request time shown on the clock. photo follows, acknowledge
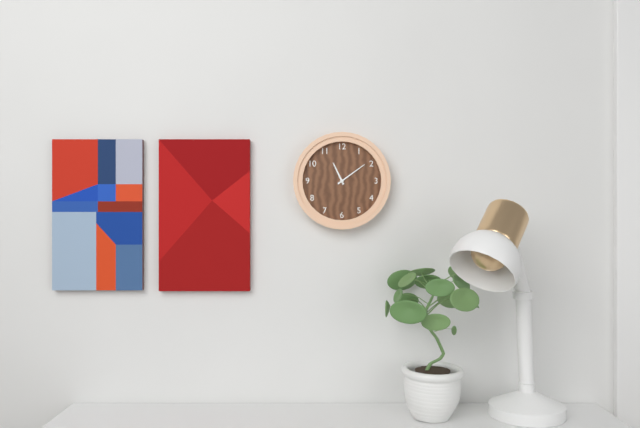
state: 11:09
